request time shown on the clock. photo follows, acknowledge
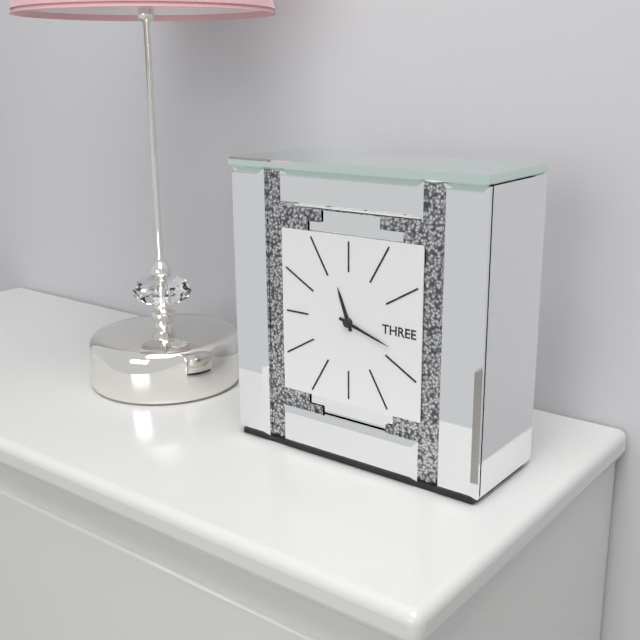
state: 11:18
